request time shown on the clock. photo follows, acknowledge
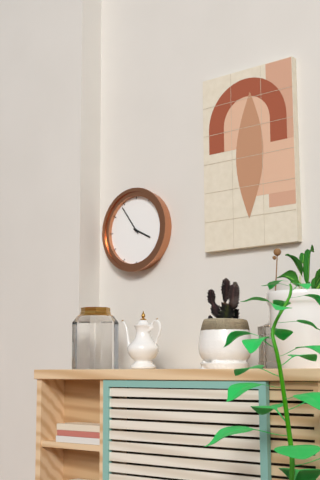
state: 3:54
